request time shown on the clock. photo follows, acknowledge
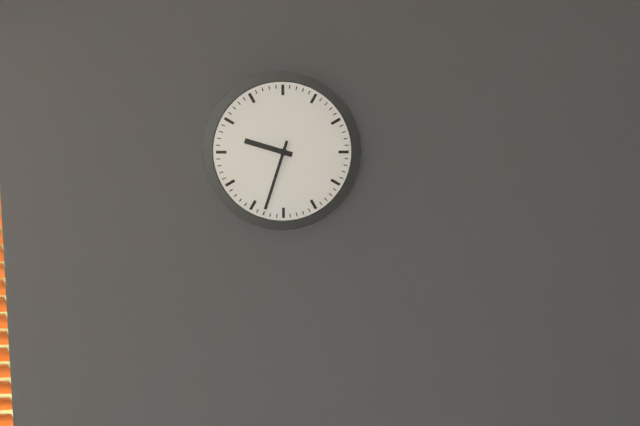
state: 9:33
